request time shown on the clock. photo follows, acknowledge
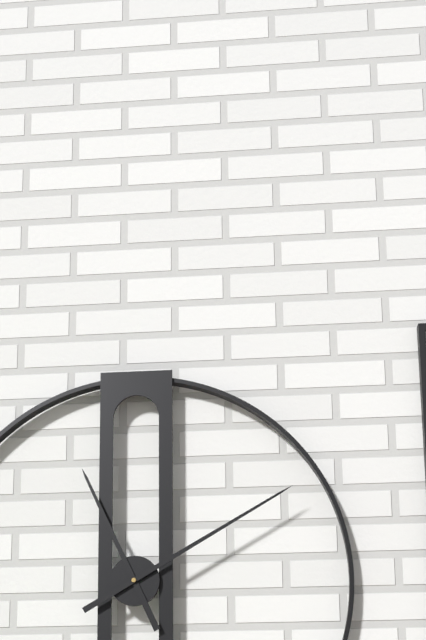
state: 11:10
